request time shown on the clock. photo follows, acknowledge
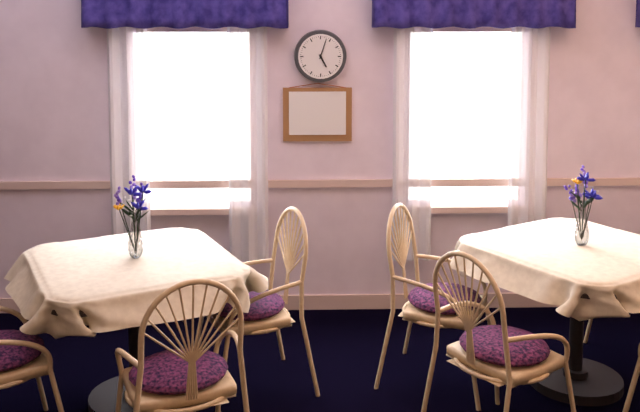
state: 5:03
